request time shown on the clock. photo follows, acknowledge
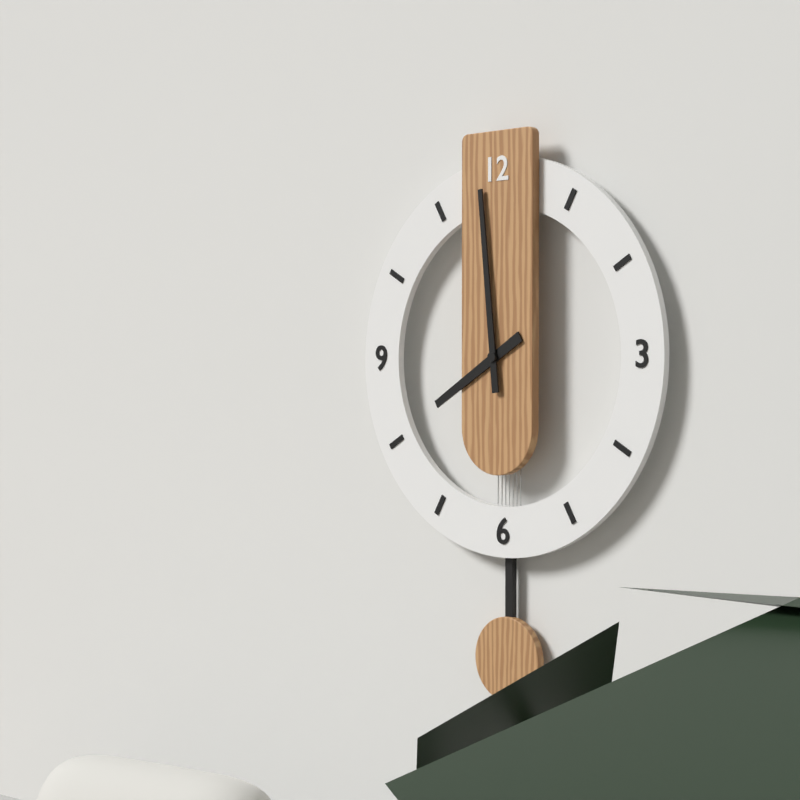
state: 7:59
